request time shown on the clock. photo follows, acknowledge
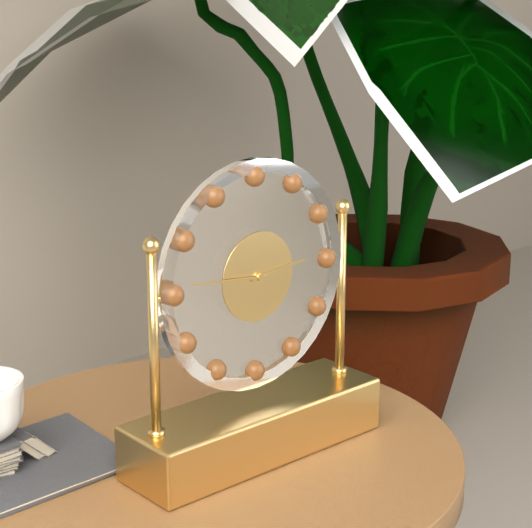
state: 2:46
